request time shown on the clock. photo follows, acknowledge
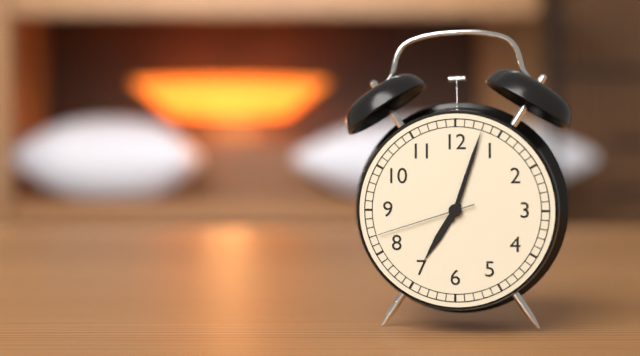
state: 7:03:42
